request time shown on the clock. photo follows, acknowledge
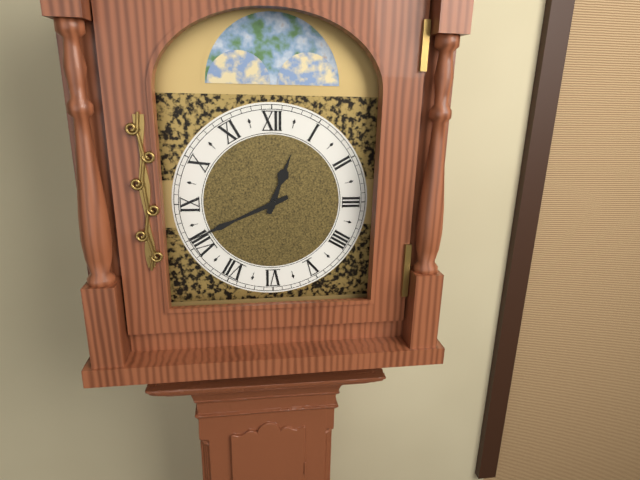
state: 12:41
